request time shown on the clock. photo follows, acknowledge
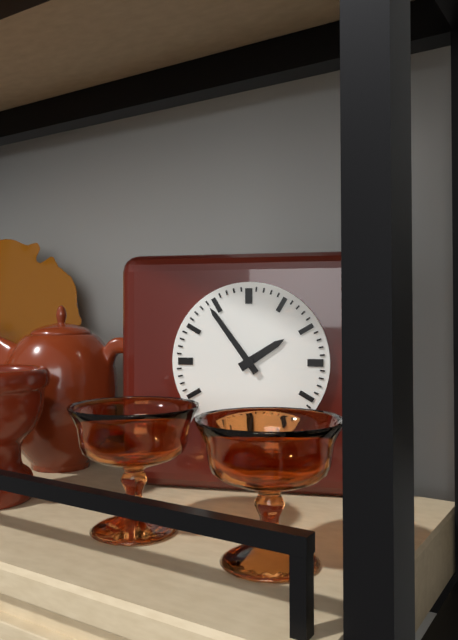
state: 1:54
